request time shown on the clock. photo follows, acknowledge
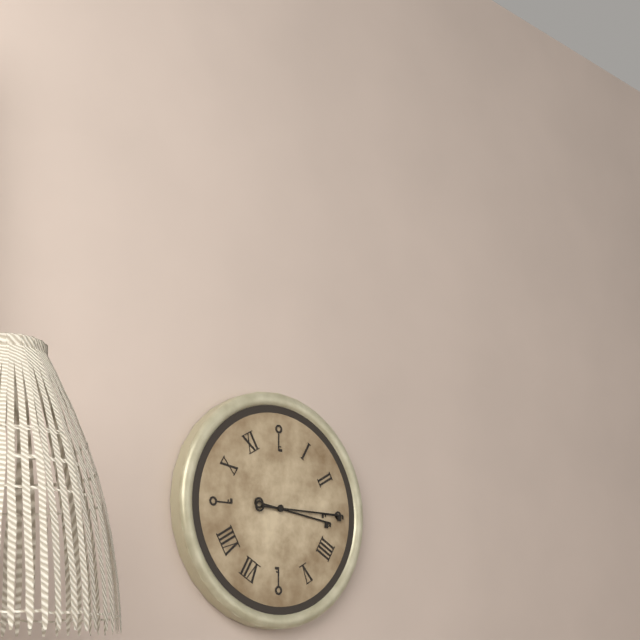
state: 3:15
